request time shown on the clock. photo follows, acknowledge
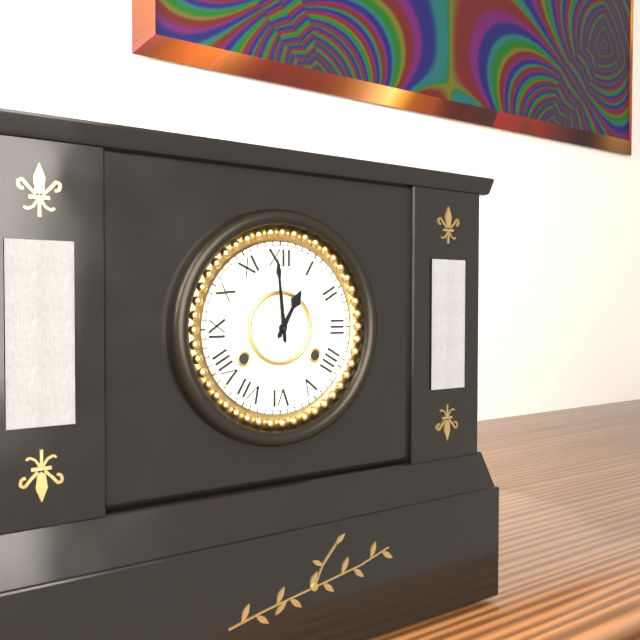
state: 12:59
